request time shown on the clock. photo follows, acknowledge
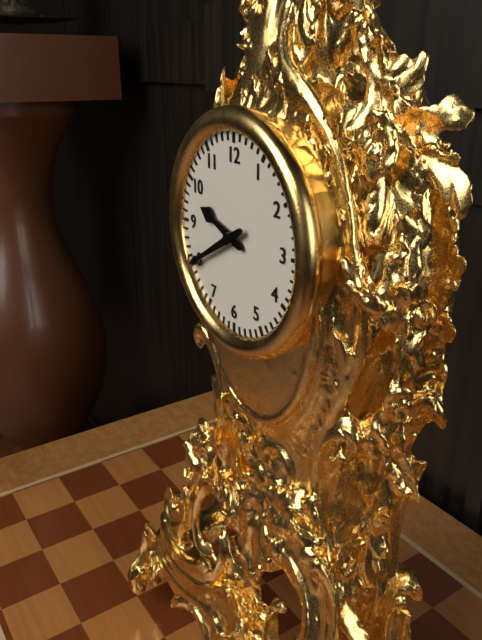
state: 9:40
